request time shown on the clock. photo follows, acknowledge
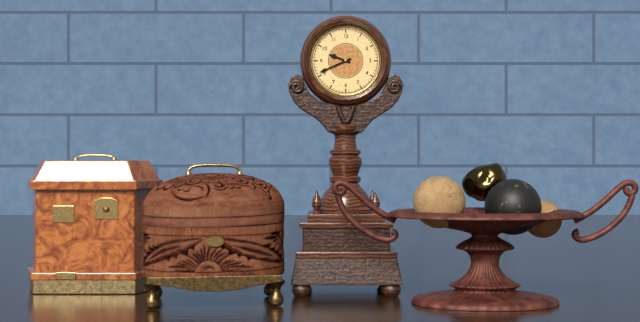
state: 9:41
